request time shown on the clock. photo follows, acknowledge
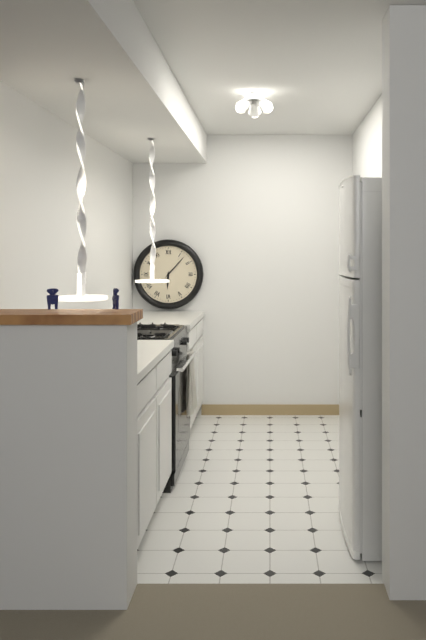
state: 6:07
